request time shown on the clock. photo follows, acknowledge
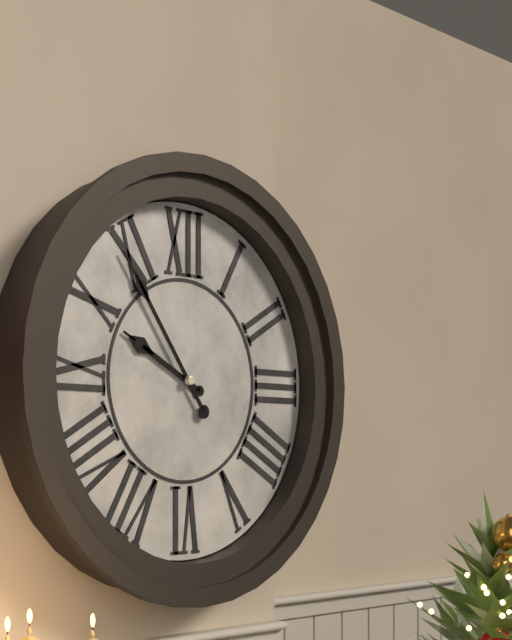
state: 9:54
